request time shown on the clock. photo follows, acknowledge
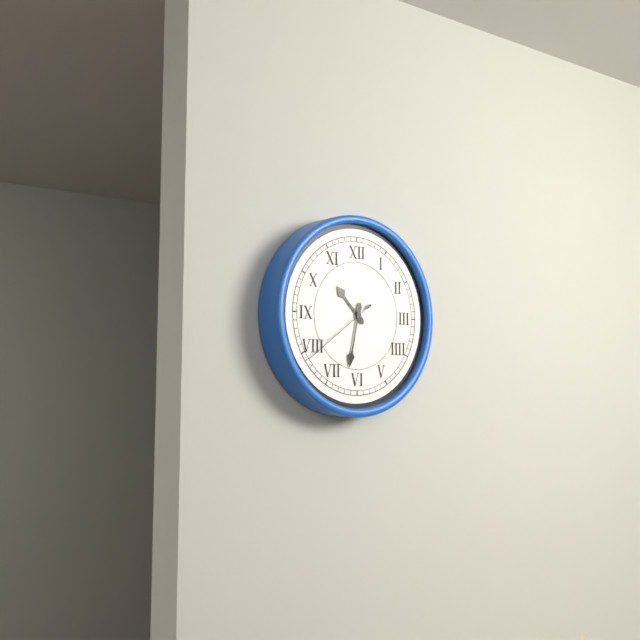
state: 10:32:39
